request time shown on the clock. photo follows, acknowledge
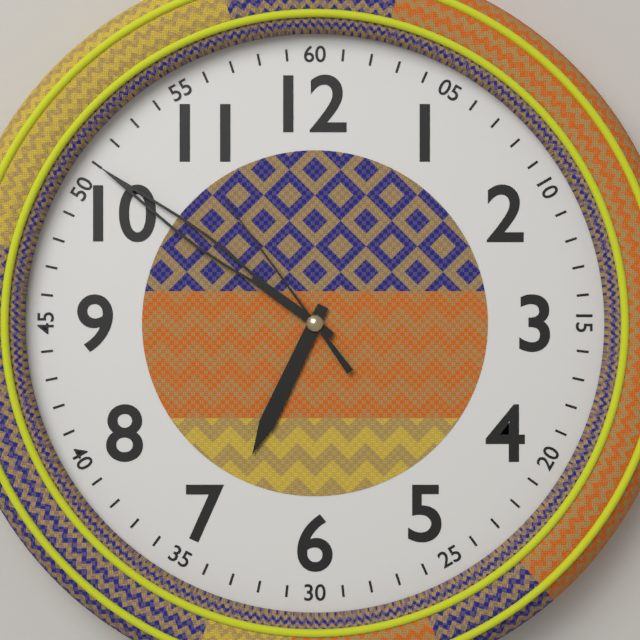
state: 6:51:54
